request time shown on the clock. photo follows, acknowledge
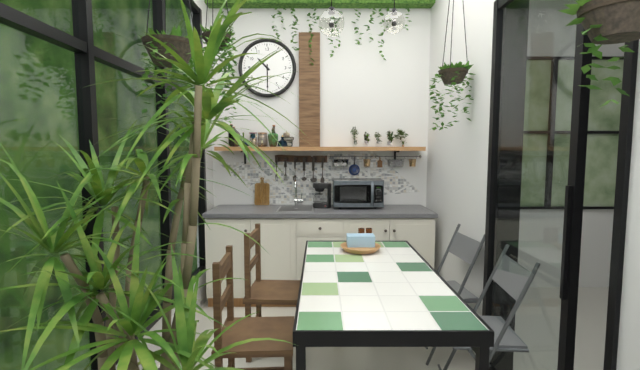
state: 10:30
